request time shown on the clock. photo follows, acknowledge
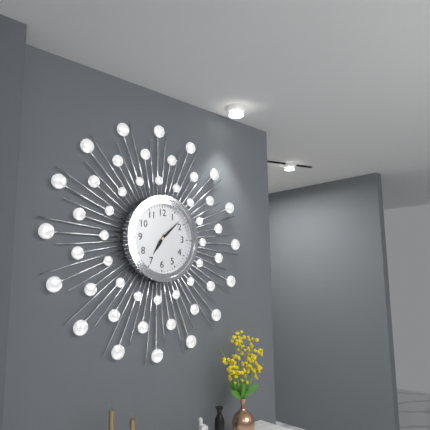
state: 7:08
